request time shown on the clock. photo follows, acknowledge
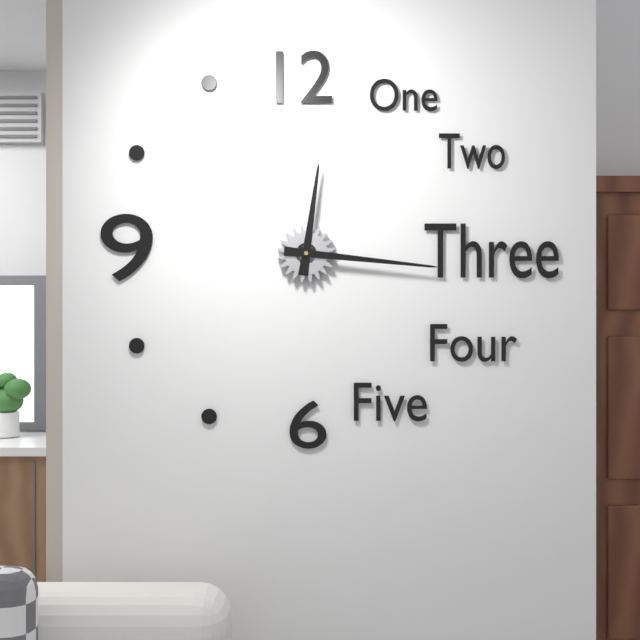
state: 12:16
